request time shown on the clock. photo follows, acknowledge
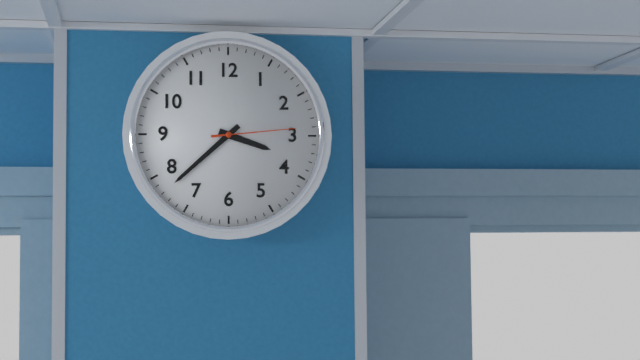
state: 3:38:14
